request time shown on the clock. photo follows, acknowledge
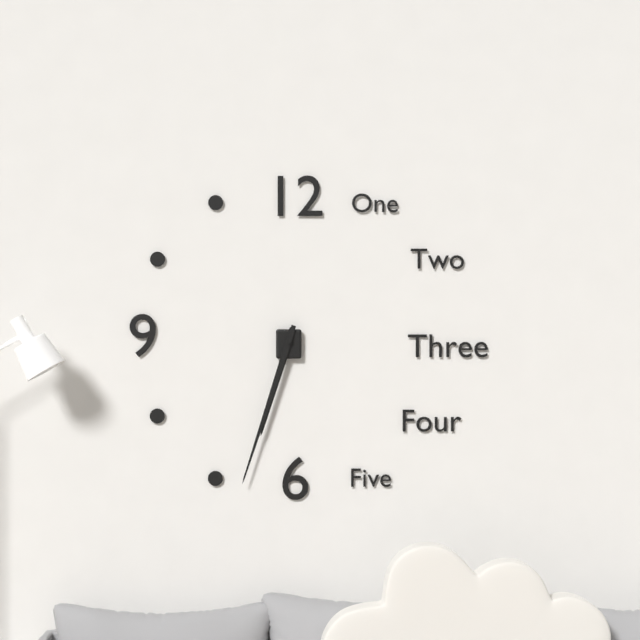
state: 6:33
